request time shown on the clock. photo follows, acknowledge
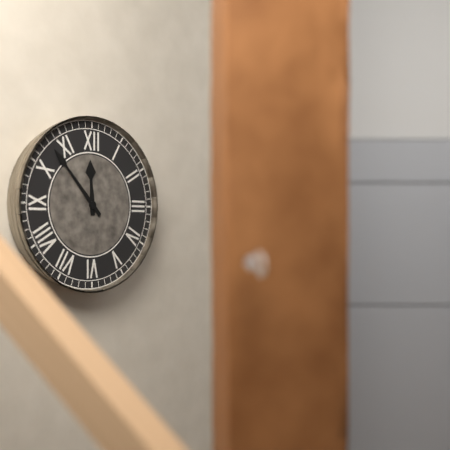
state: 11:53
